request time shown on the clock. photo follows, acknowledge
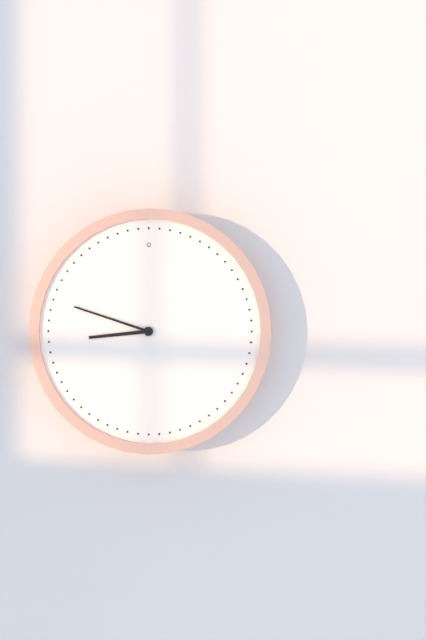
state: 8:48
